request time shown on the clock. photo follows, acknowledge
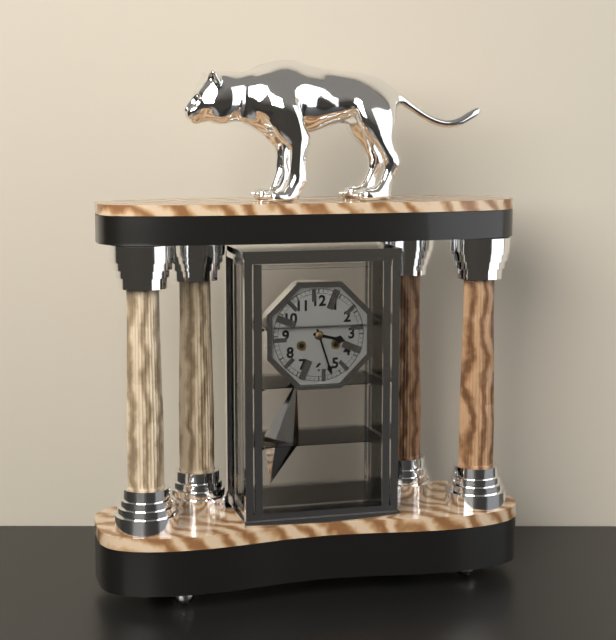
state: 3:27
